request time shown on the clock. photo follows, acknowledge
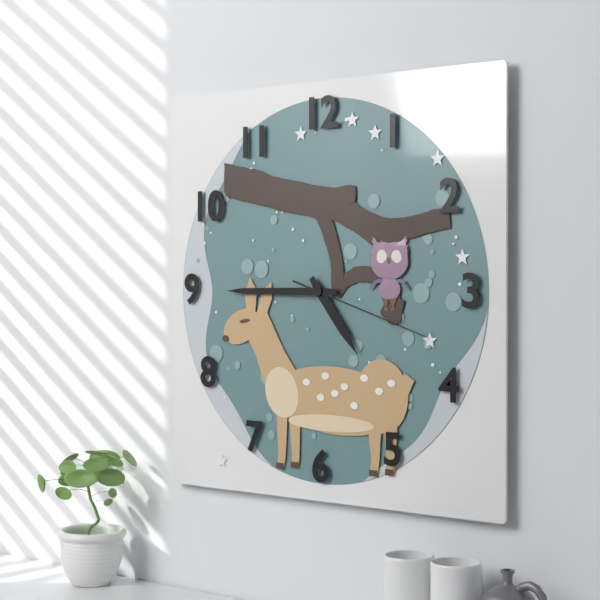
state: 4:45:18
